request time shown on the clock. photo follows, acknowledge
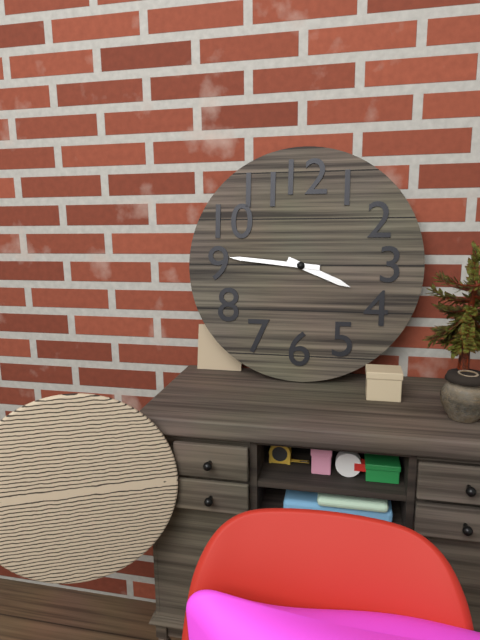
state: 3:46
